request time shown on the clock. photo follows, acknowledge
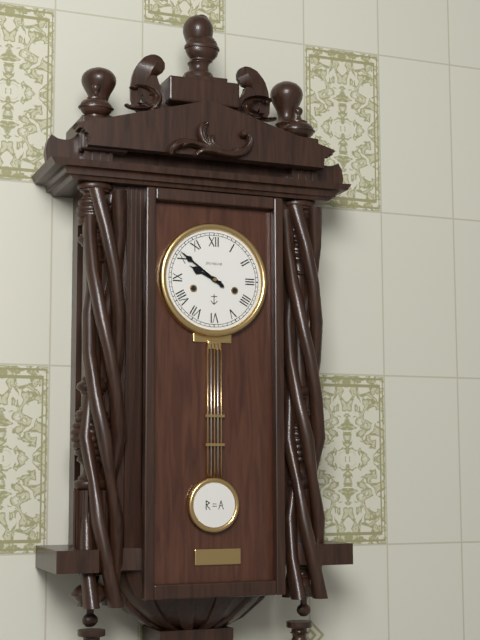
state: 9:51
